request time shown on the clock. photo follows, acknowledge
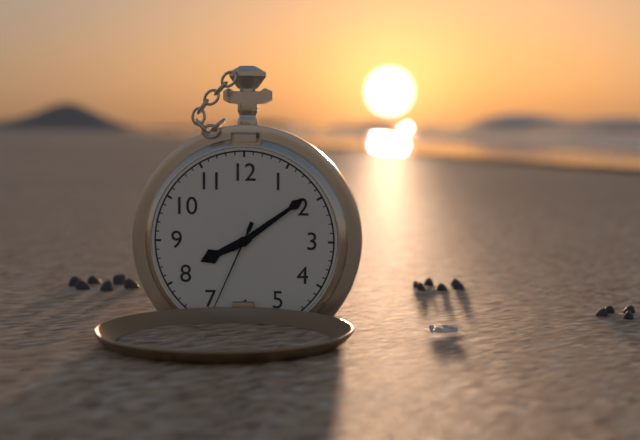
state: 8:09:34
